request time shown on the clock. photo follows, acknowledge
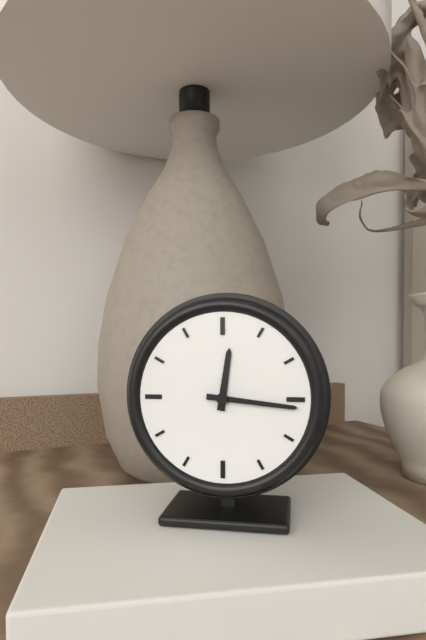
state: 12:16
